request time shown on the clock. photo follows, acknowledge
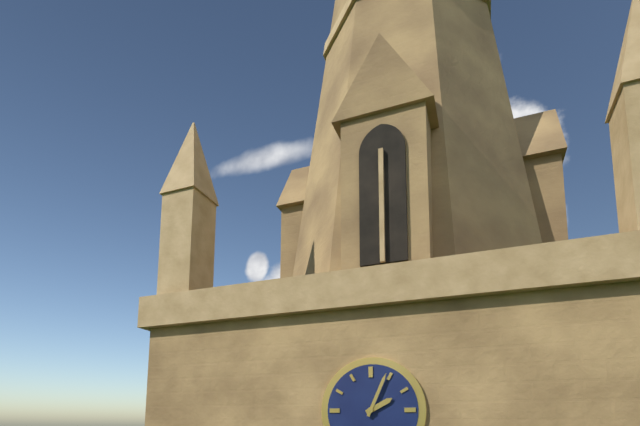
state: 2:04
